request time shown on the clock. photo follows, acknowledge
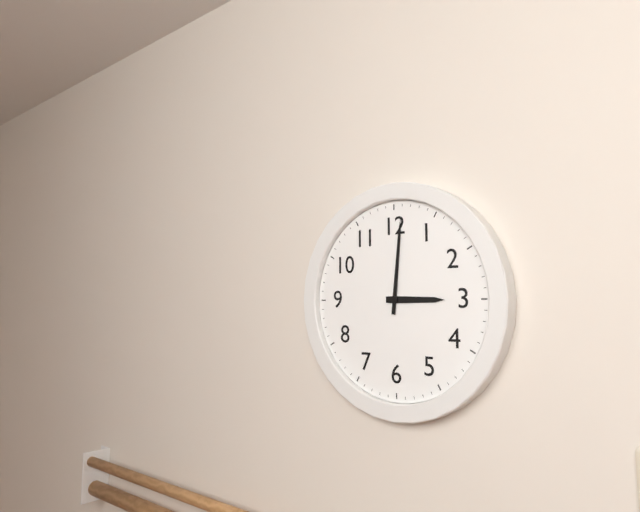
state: 3:01
